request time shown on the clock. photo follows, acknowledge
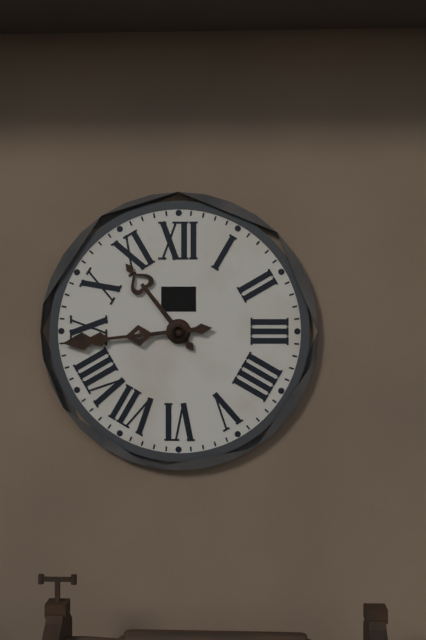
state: 10:44
